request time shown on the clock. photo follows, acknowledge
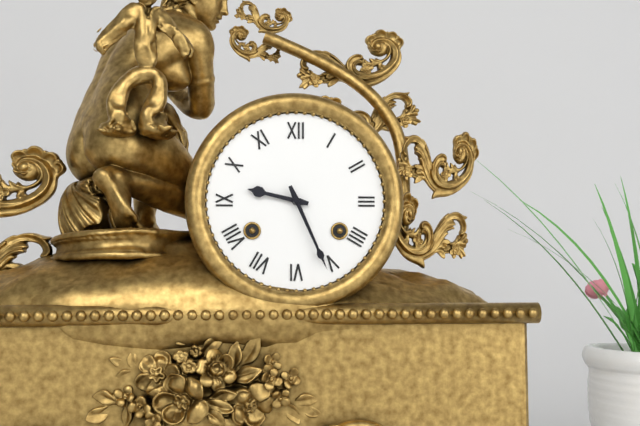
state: 9:26
